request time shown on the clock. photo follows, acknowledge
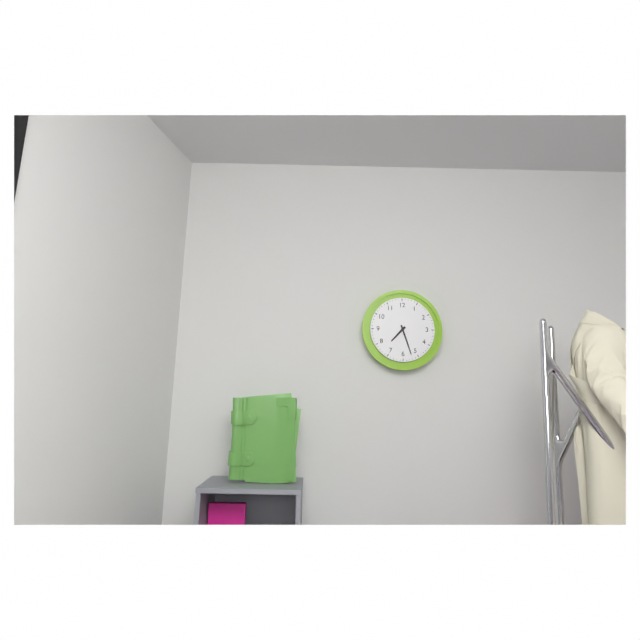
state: 7:27
